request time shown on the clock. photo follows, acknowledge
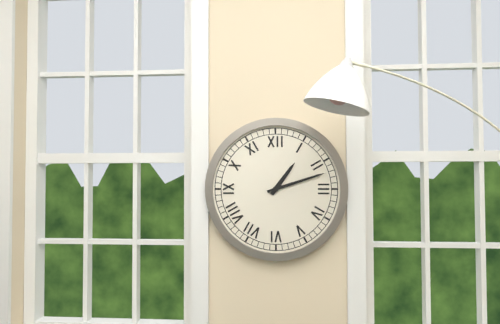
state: 1:12
